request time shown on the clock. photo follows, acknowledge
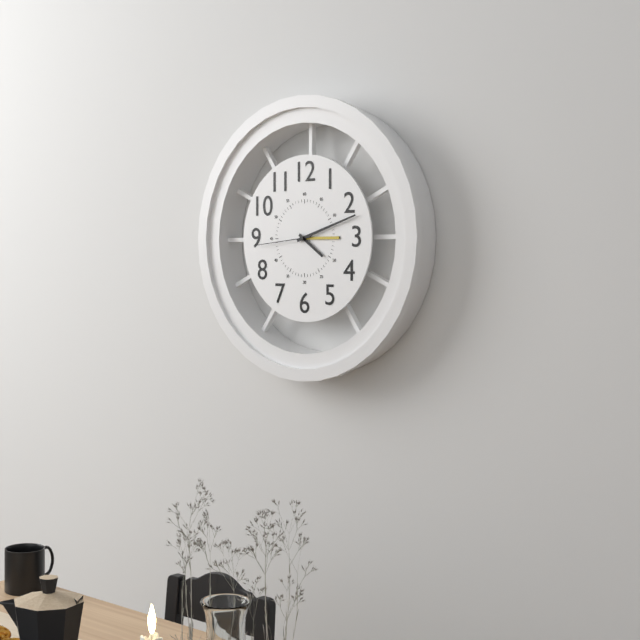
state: 4:12:44
